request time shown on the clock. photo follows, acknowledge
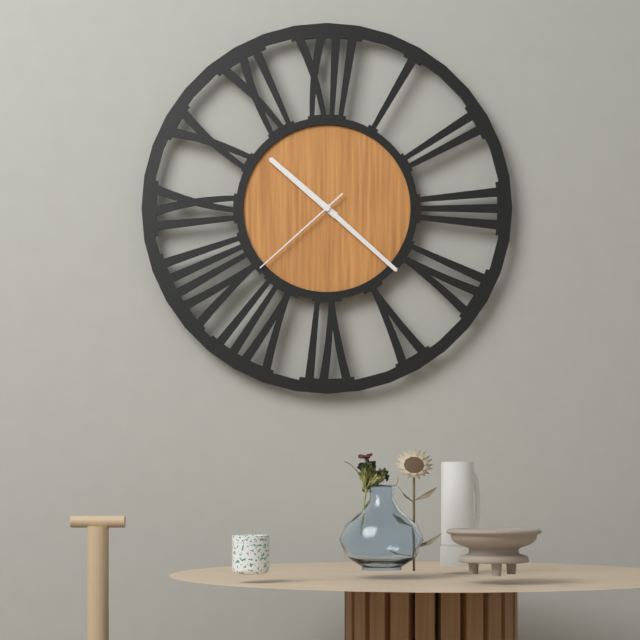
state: 10:22:38
